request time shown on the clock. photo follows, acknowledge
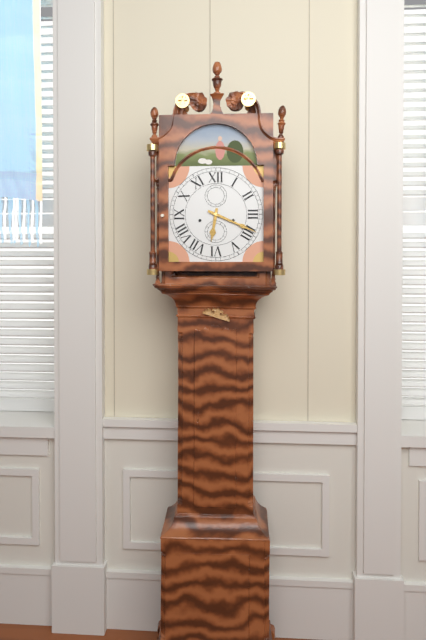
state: 6:19
